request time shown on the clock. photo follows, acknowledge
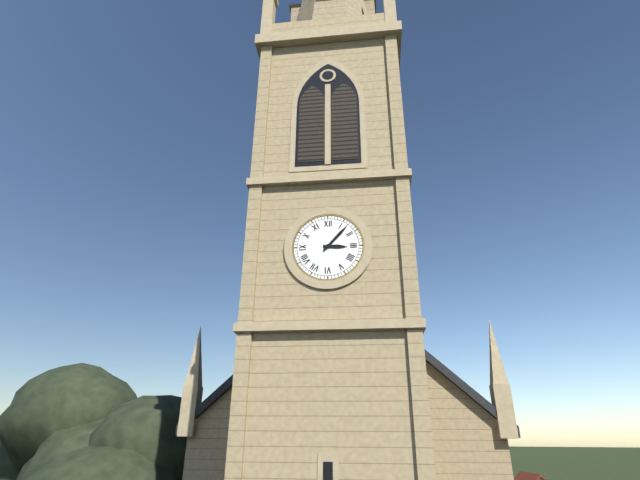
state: 3:07
